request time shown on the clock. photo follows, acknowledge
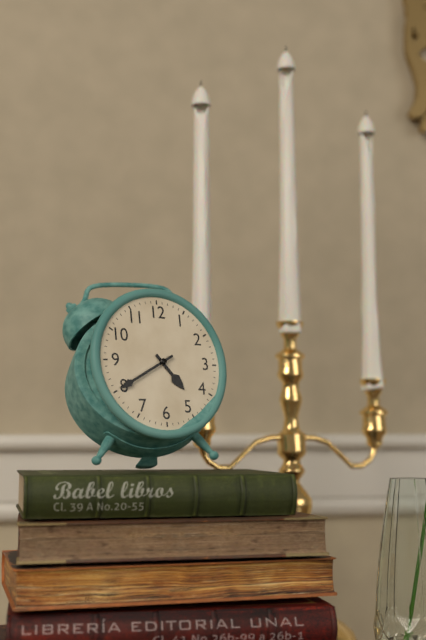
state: 4:40
